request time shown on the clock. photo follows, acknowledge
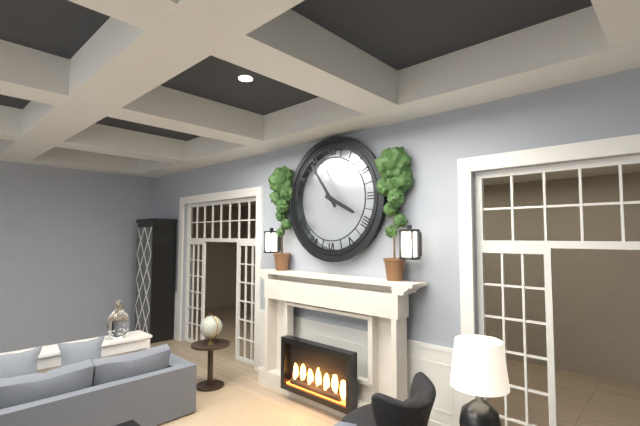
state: 3:54
